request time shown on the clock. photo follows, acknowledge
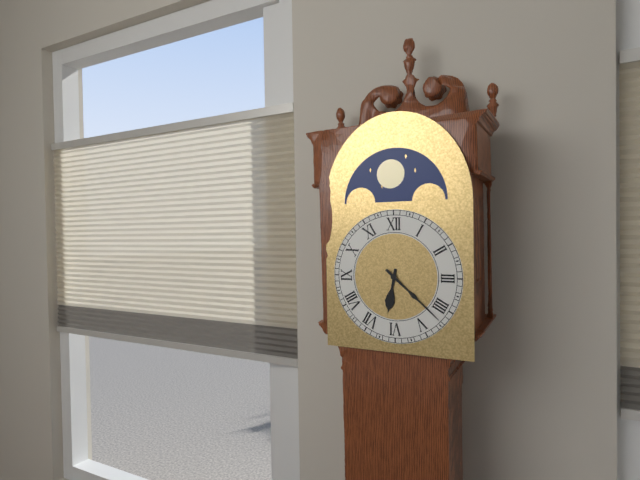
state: 6:22
